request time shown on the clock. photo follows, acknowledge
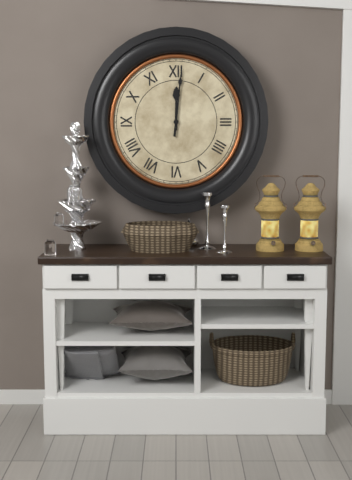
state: 12:01
